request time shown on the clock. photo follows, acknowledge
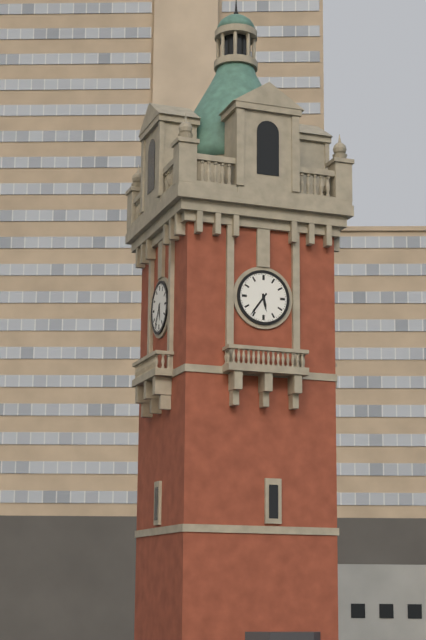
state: 5:36
